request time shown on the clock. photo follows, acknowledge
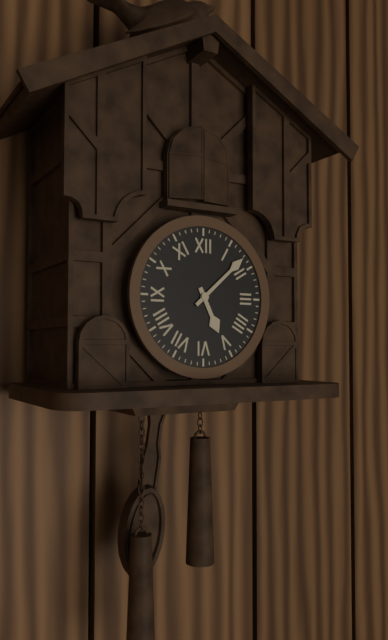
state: 5:08
